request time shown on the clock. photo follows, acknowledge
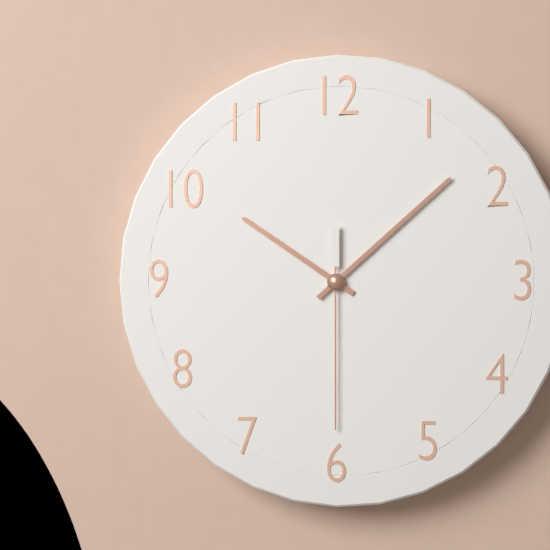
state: 10:08:30
